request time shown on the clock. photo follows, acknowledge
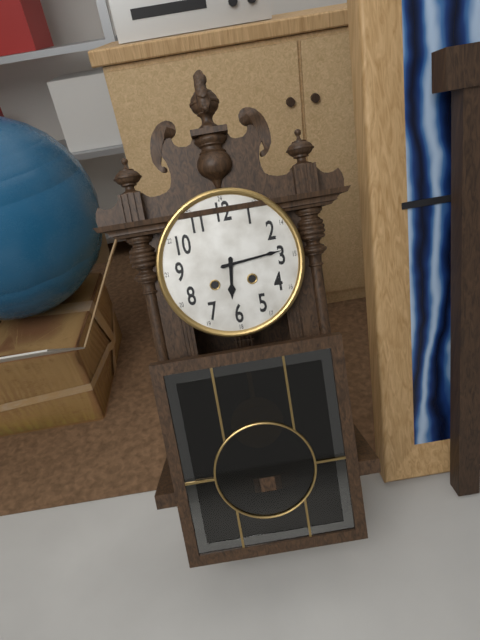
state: 6:14
